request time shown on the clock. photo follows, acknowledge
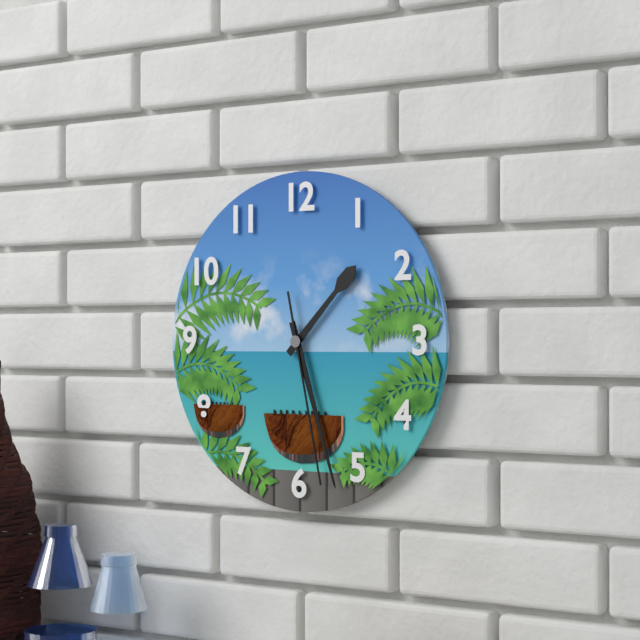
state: 1:27:28
